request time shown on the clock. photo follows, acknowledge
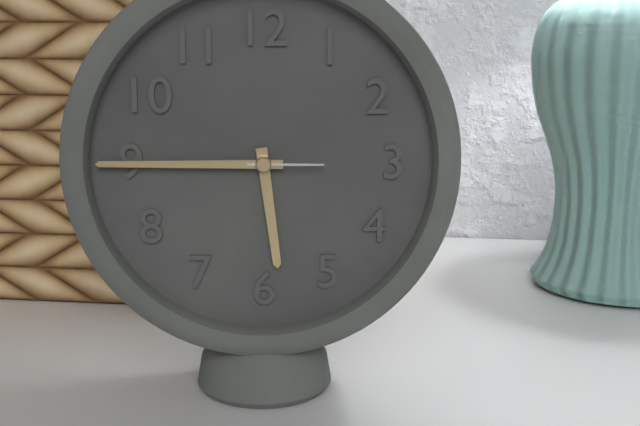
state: 5:45:15
